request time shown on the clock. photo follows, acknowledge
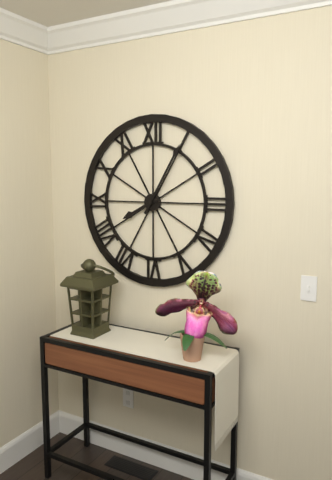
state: 8:05
